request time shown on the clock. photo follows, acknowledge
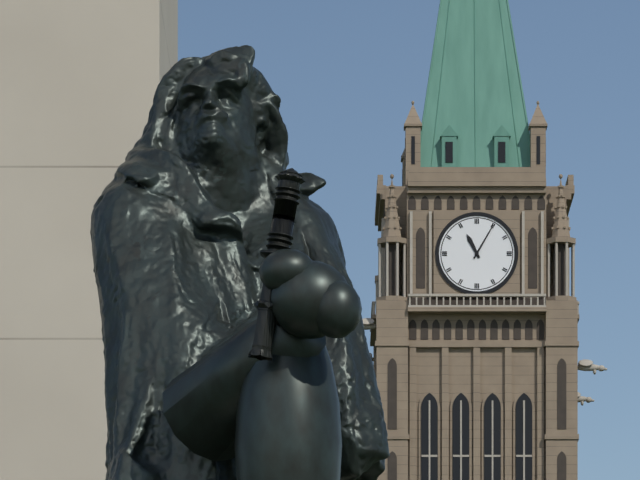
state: 11:05
